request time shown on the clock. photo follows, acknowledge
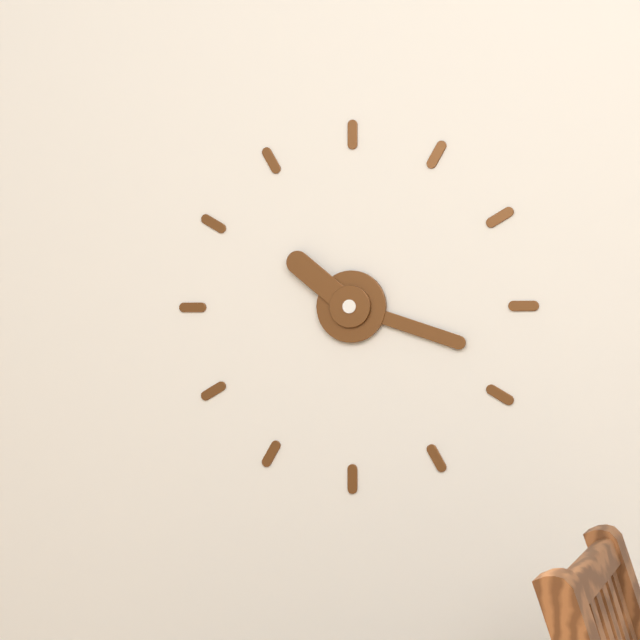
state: 10:18
